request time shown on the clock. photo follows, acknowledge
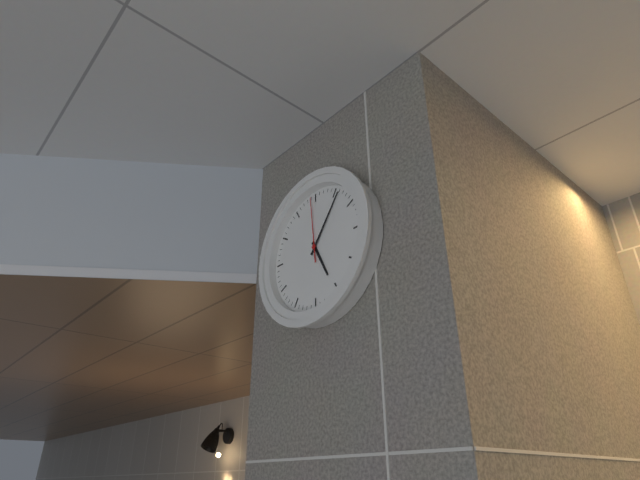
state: 5:06:59
